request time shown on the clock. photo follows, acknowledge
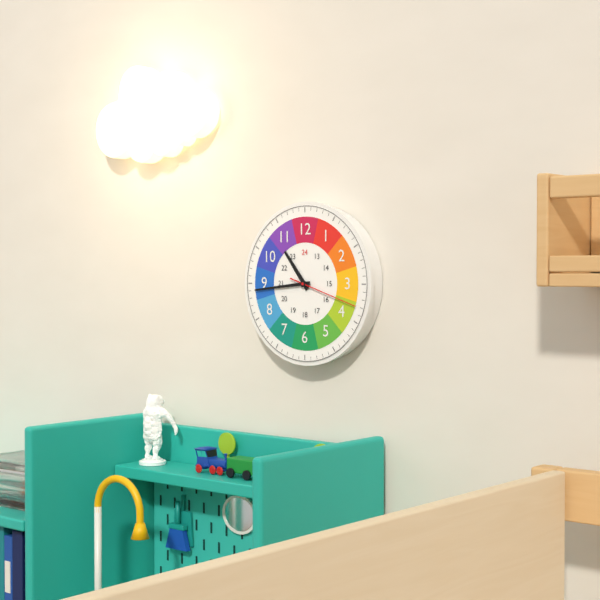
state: 10:44:18
